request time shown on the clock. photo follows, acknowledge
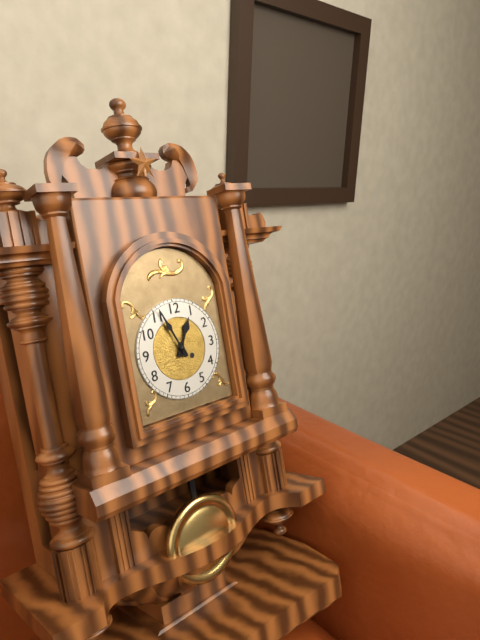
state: 12:56
